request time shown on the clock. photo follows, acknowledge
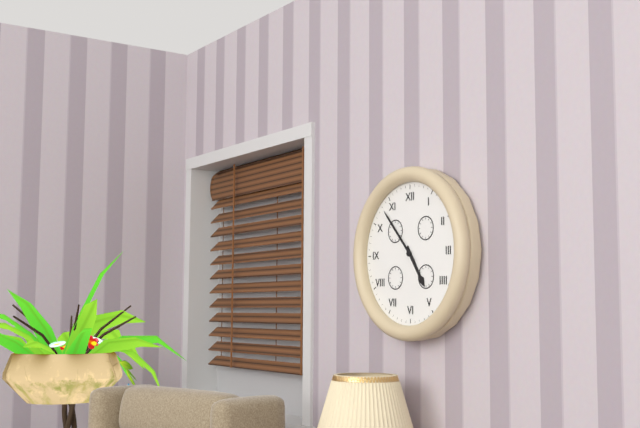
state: 4:53
